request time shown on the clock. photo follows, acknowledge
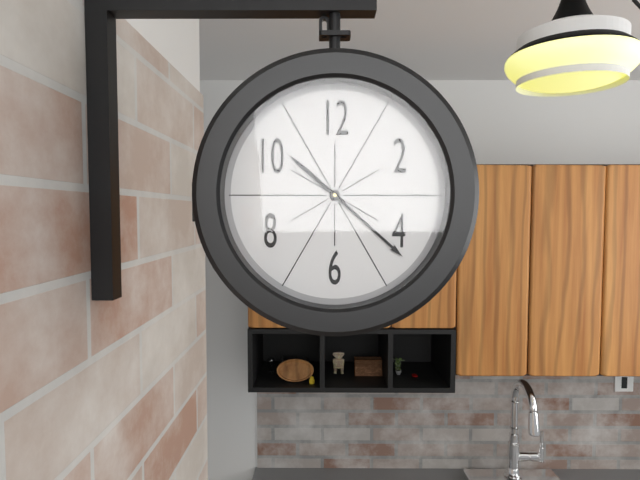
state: 10:22
